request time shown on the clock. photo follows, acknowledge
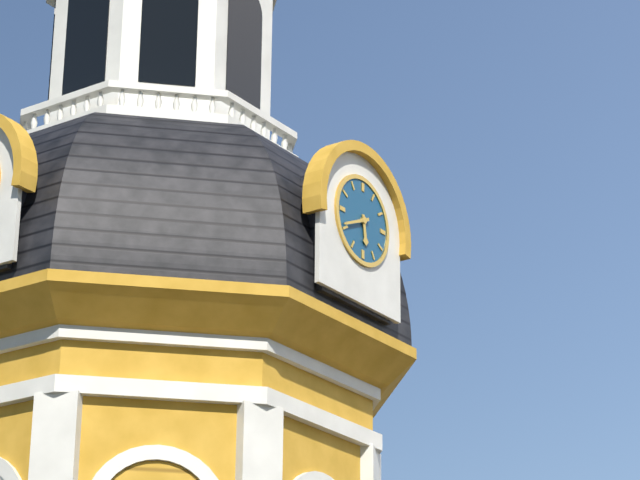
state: 5:41
